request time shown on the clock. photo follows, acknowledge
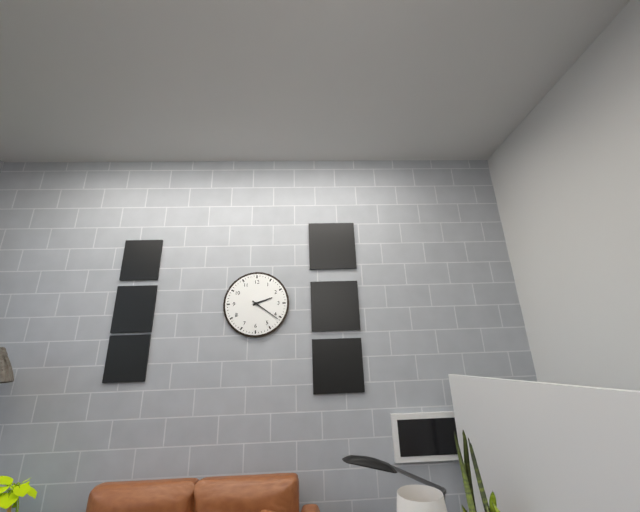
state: 2:21
